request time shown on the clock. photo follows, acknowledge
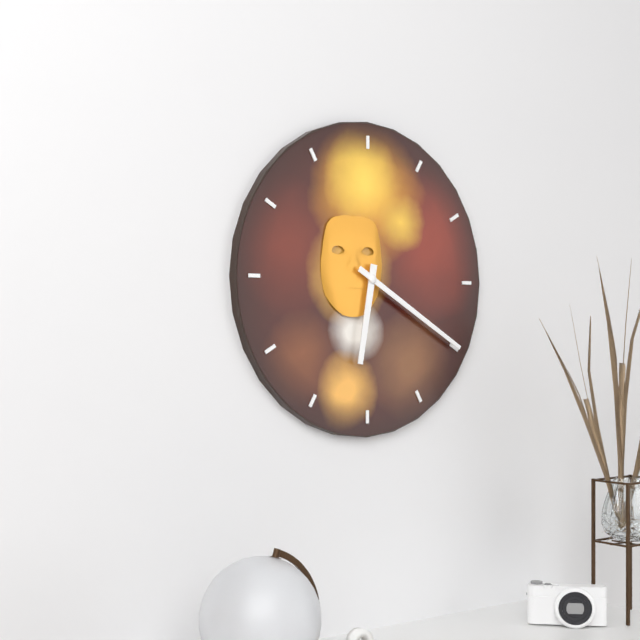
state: 6:20
